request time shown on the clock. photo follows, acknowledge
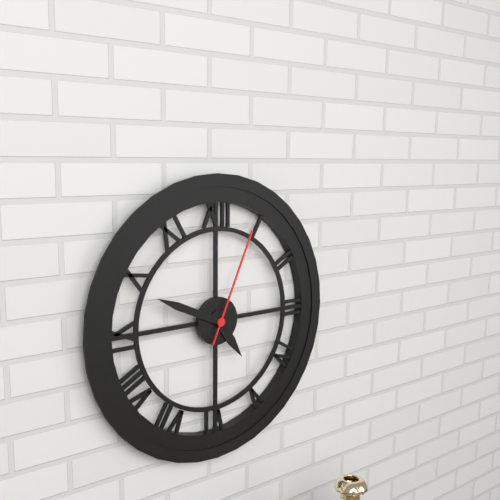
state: 4:49:04
